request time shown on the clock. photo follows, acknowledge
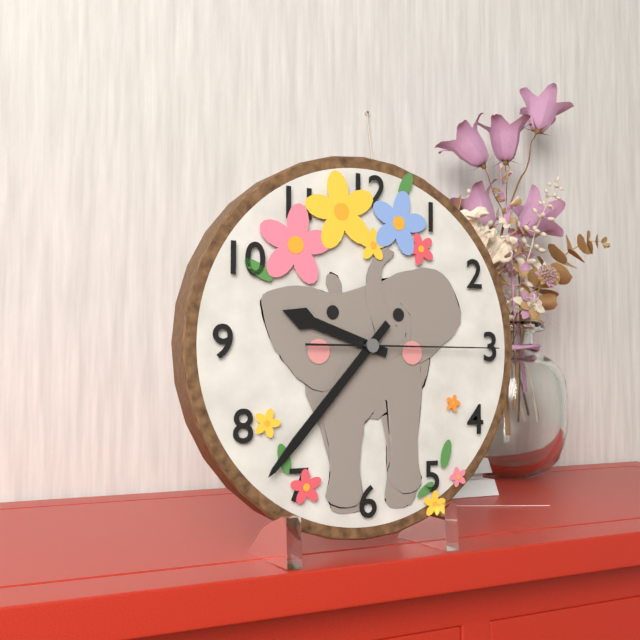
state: 9:37:15
